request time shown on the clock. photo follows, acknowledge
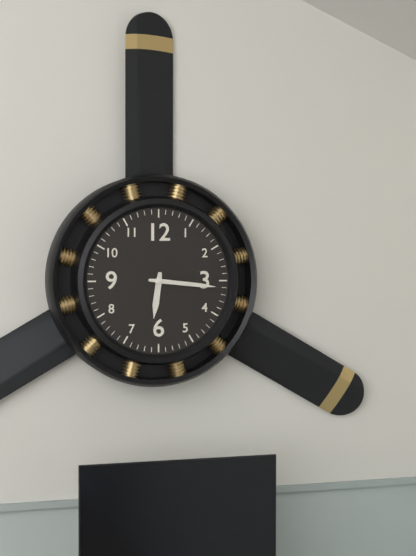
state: 6:16
